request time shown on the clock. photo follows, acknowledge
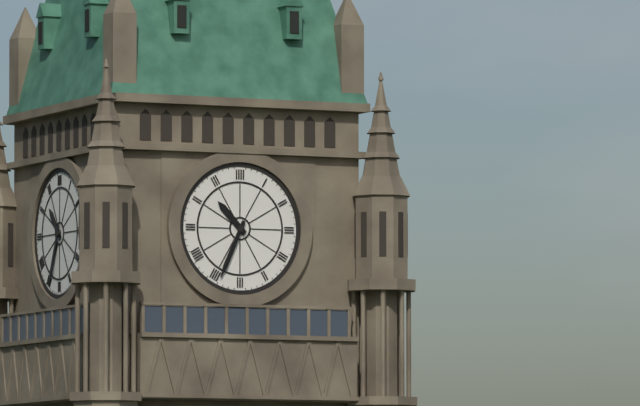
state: 10:34
